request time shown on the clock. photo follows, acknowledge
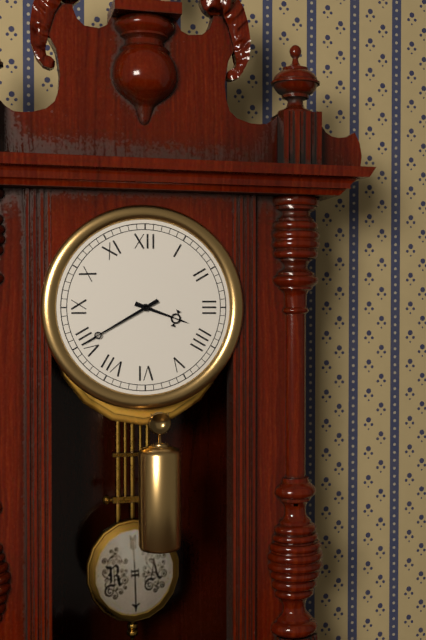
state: 3:40
